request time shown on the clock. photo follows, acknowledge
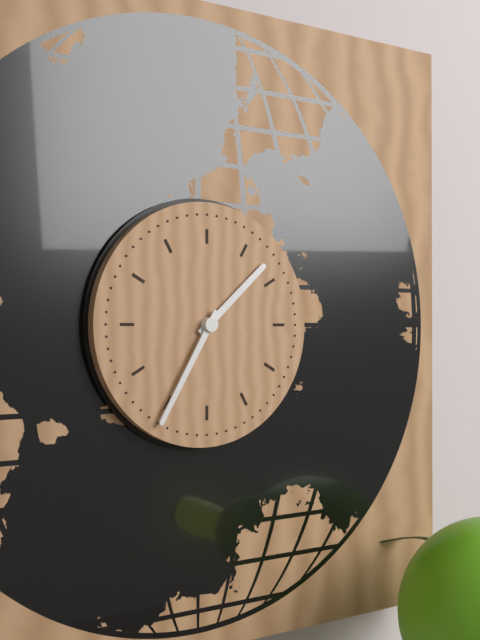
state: 1:35
